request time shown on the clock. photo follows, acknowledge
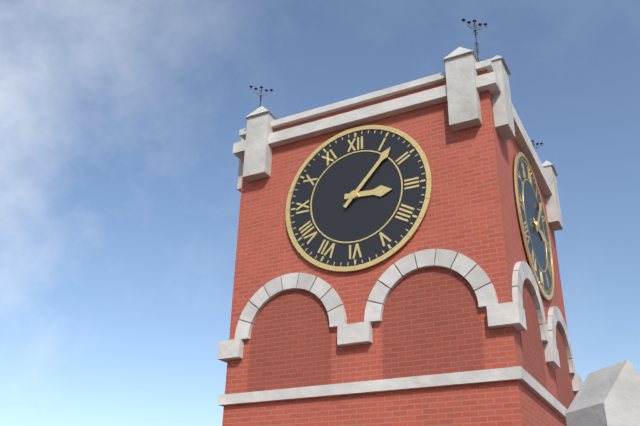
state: 3:07
